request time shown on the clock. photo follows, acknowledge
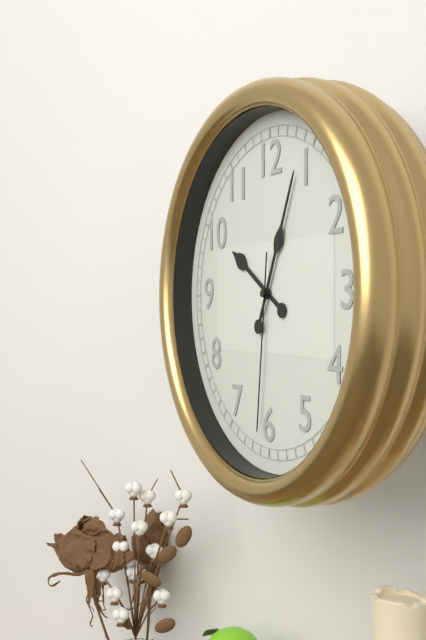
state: 10:04:31
